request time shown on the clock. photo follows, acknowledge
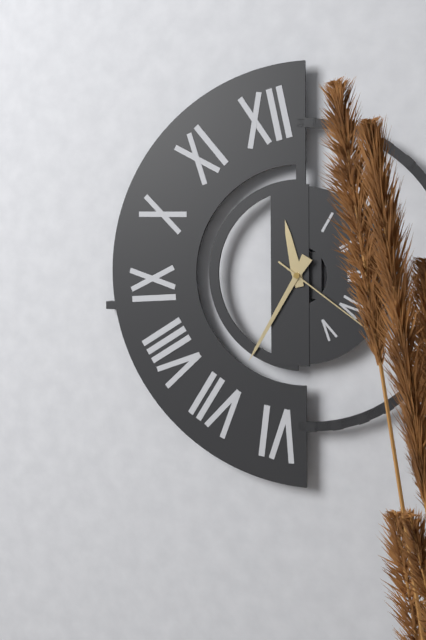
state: 11:35:21
